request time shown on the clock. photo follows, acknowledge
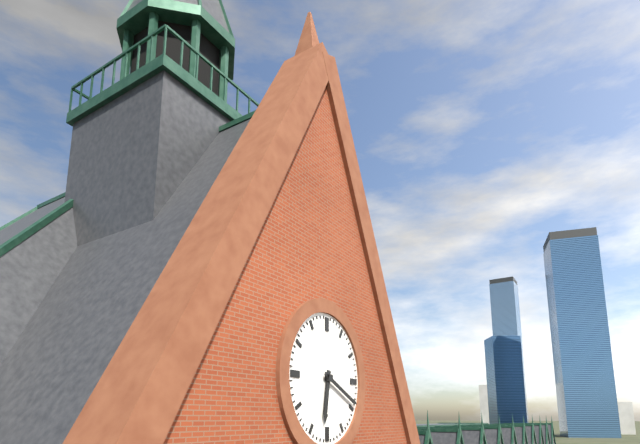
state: 6:19
